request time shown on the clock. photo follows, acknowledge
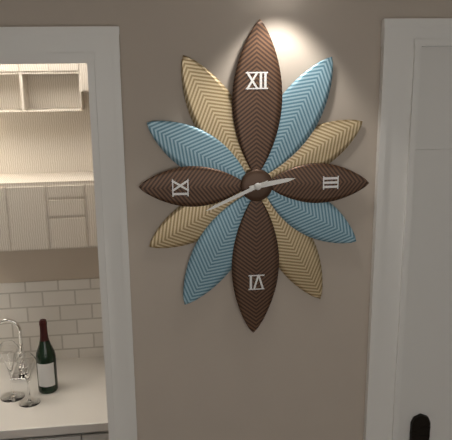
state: 2:41
